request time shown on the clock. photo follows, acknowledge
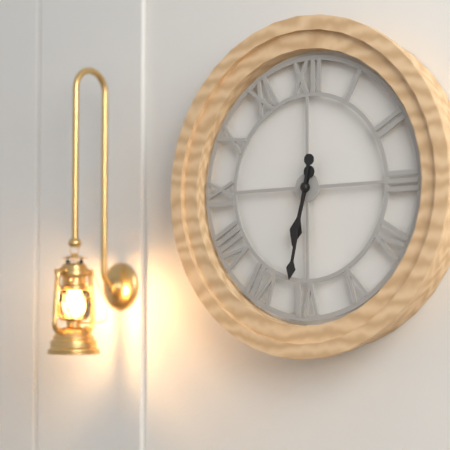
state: 6:32
